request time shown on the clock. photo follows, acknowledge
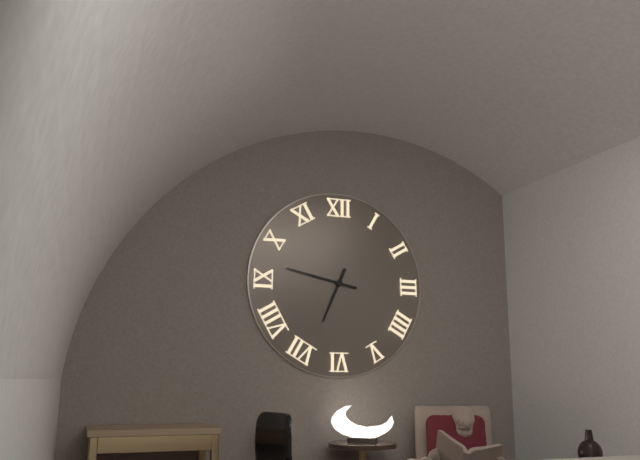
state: 6:47
